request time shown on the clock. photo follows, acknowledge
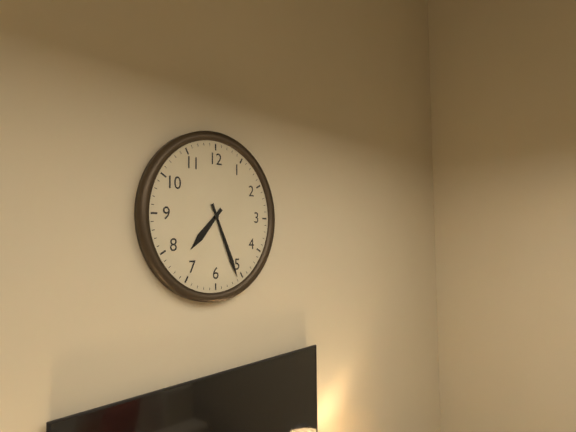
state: 7:26
